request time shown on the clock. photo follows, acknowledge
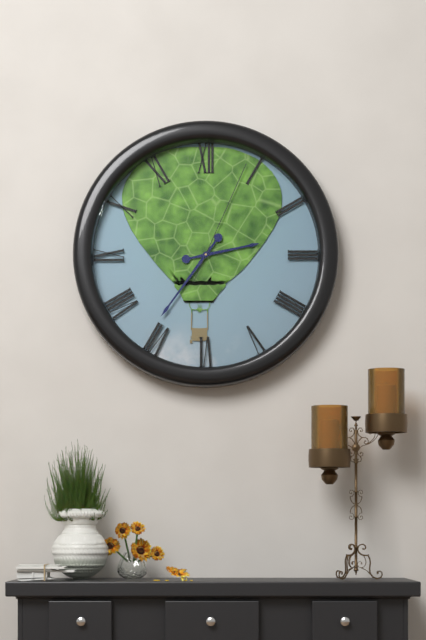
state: 2:36:04
